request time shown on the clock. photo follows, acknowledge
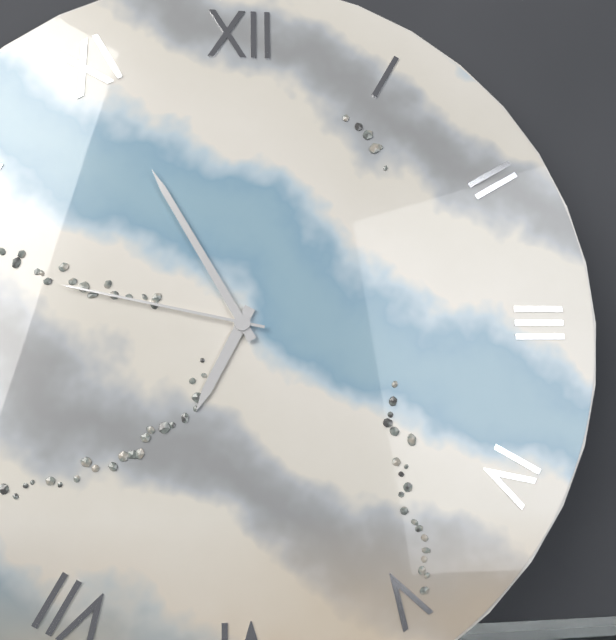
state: 6:55:47
